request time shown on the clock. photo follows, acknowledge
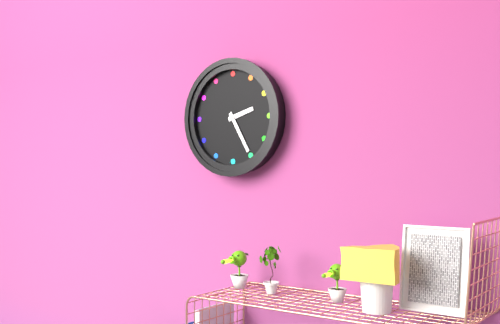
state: 2:25
